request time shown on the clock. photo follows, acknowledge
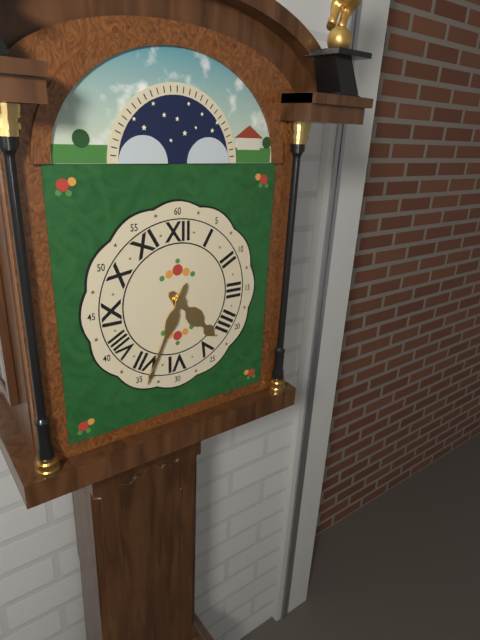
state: 4:34
